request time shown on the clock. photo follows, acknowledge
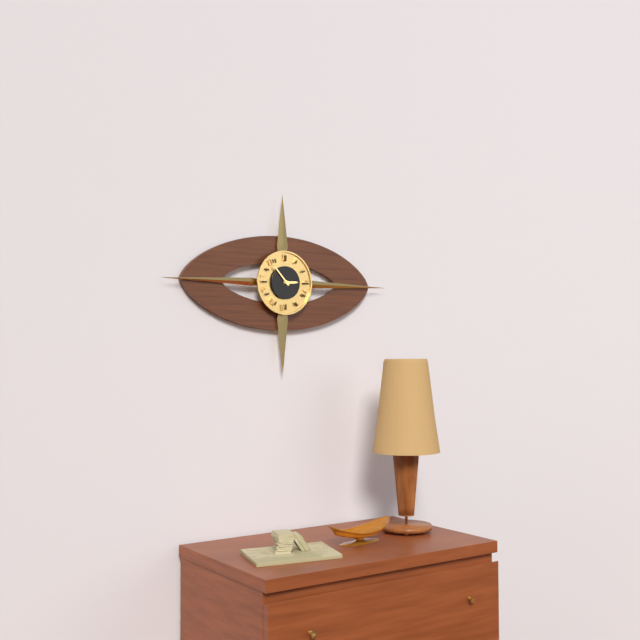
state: 2:53
